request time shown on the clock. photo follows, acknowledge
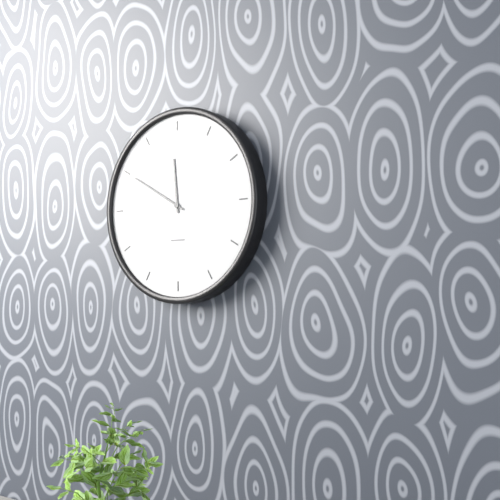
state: 11:50
